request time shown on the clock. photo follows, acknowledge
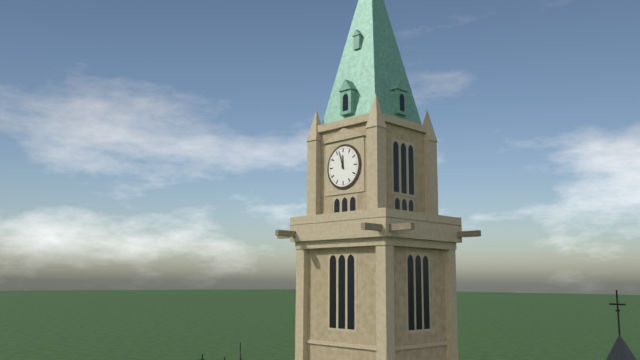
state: 11:57
